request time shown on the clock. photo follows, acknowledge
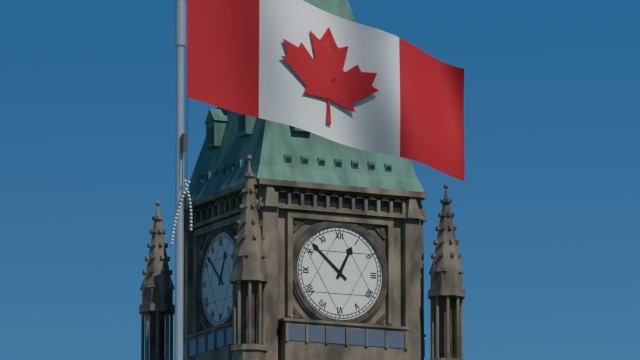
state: 12:52
